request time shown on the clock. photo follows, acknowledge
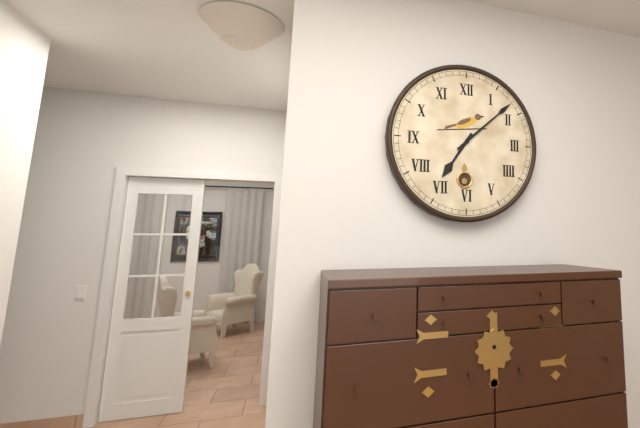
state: 7:08
